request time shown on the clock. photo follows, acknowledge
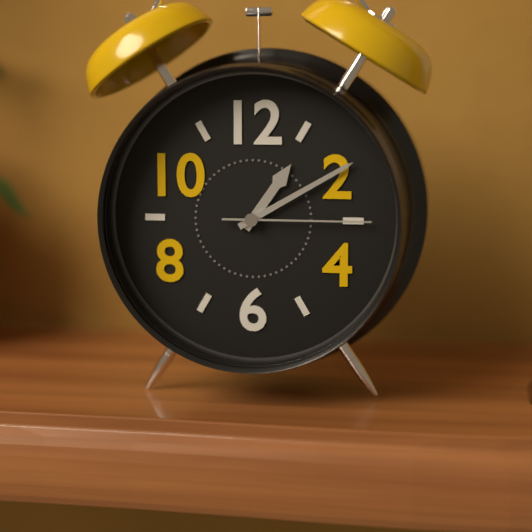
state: 1:10:15
